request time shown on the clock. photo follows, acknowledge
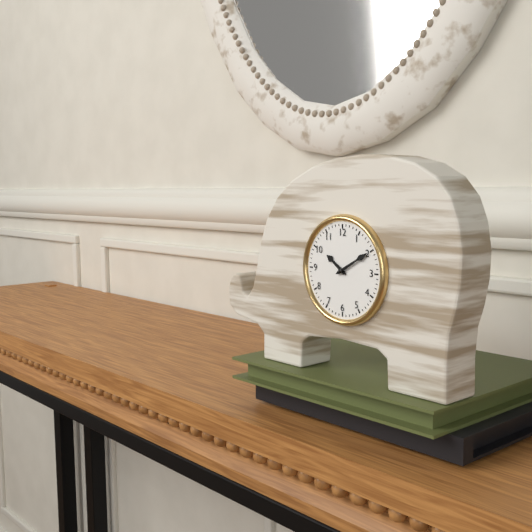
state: 10:10
